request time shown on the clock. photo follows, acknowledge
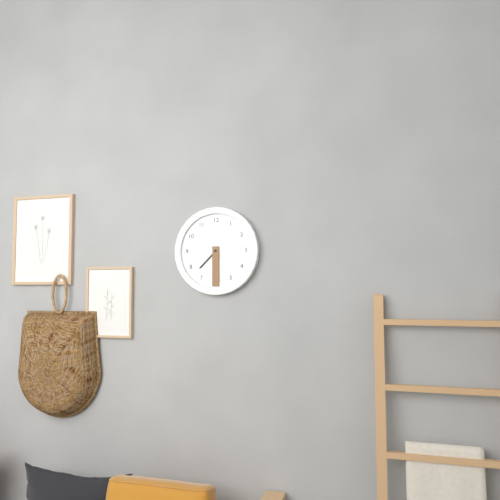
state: 7:30
